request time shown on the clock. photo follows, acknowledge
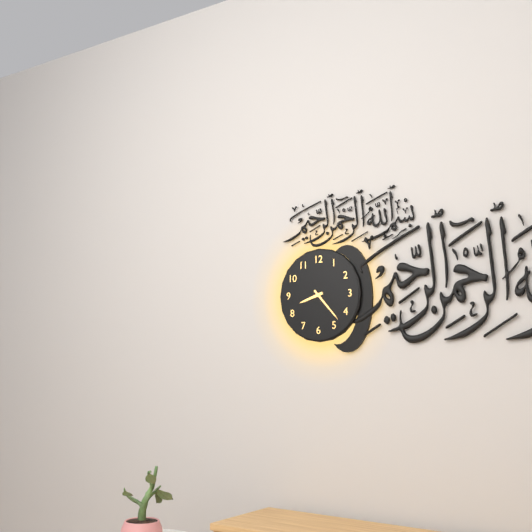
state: 8:23
